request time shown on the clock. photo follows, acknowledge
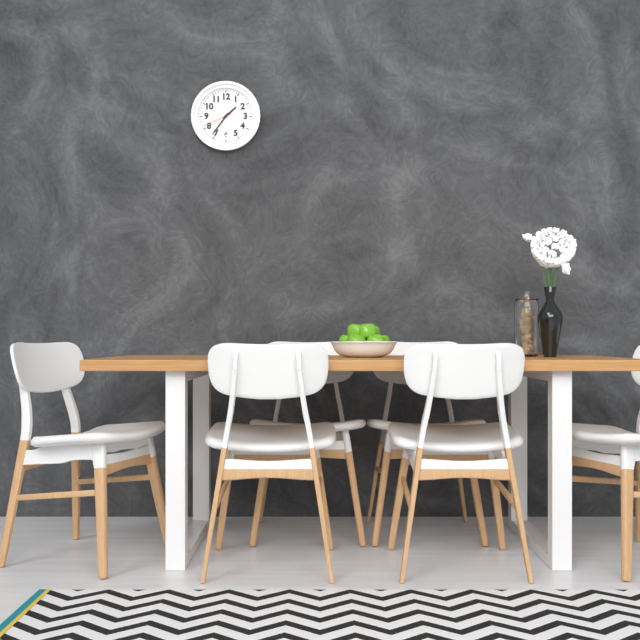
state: 1:36
